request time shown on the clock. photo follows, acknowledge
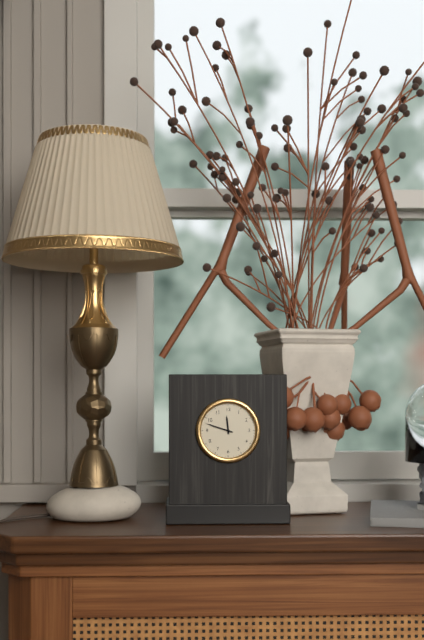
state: 11:48
